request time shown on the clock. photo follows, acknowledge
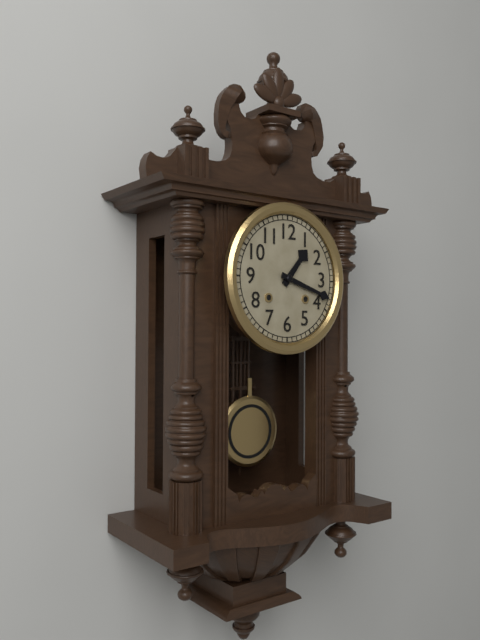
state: 1:18
